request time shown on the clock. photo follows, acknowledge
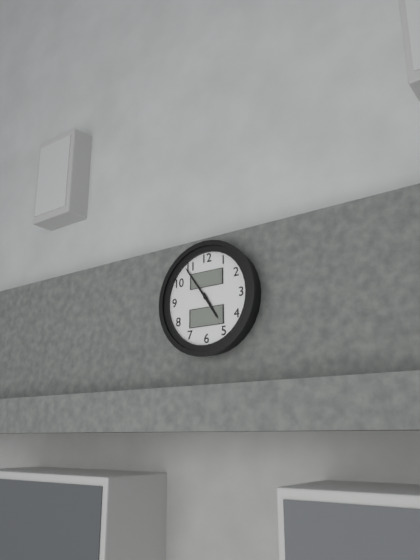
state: 4:54
